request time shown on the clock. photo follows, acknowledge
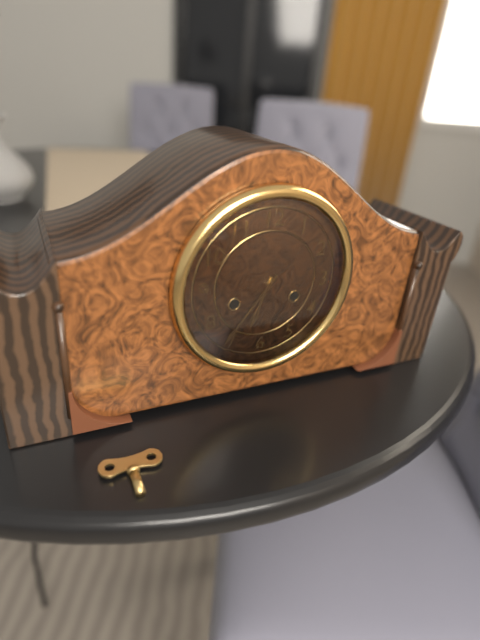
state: 6:36
